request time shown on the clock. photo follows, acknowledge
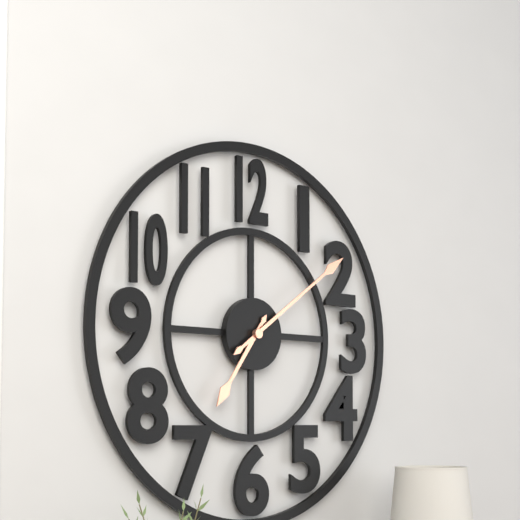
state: 7:09
